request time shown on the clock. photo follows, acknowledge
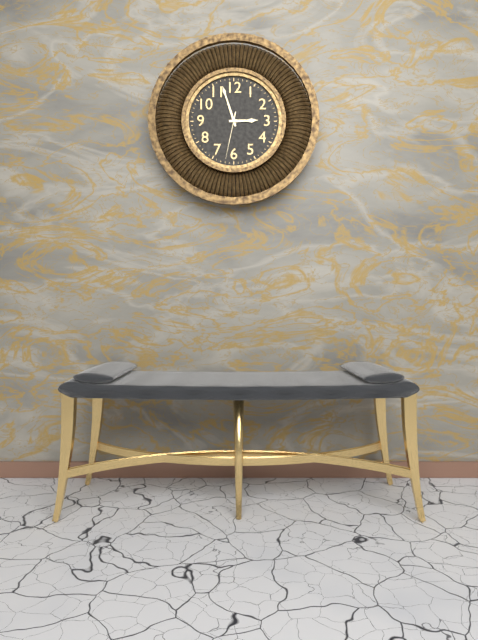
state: 2:57
